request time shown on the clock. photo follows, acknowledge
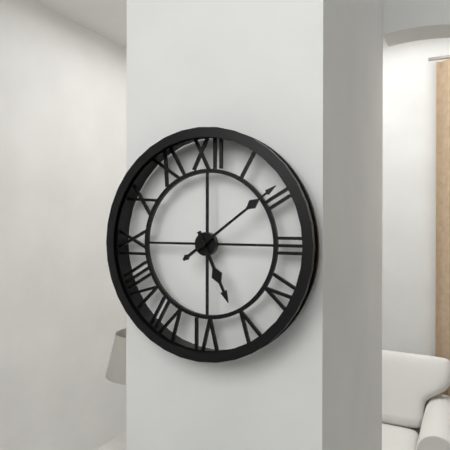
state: 5:09
